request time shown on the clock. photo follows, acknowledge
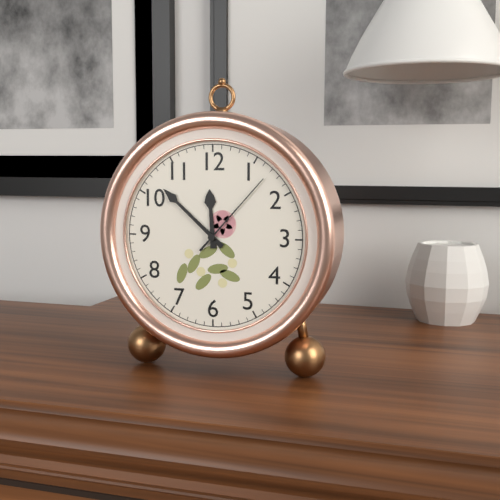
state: 11:52:07
